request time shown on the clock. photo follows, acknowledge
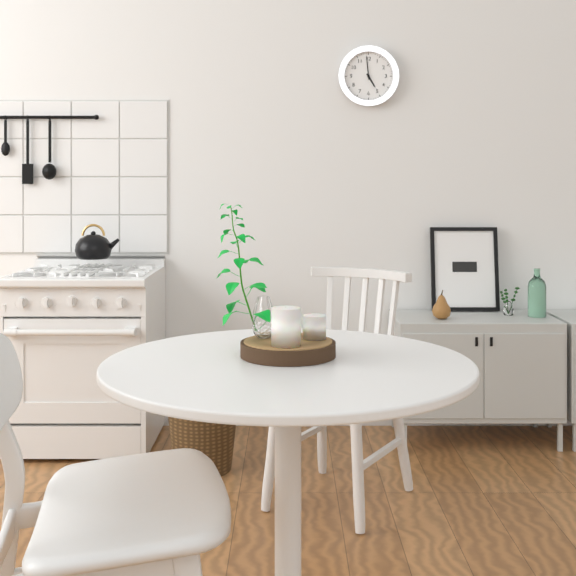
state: 4:59
